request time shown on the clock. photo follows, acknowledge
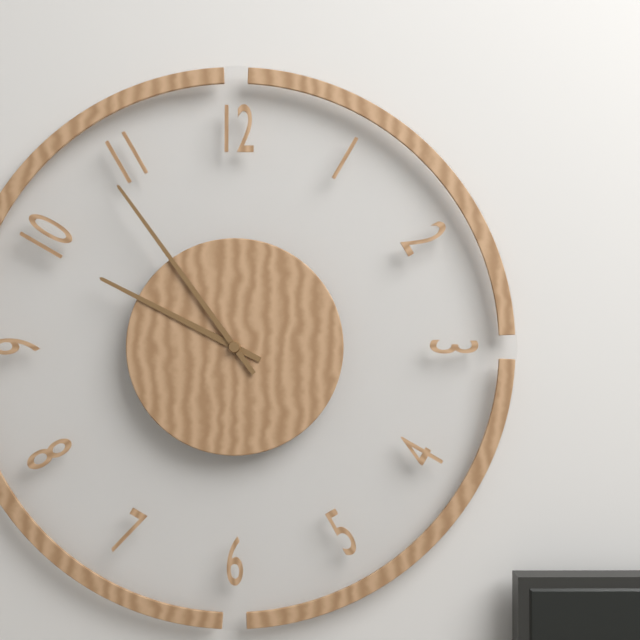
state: 9:54
